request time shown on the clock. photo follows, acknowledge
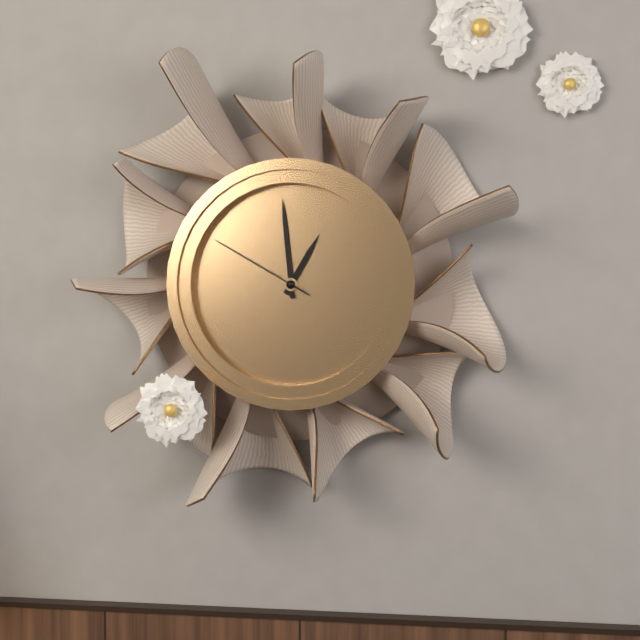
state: 12:59:50
